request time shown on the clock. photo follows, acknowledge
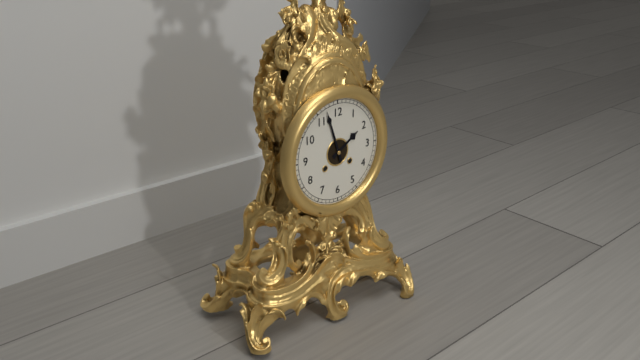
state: 1:57
